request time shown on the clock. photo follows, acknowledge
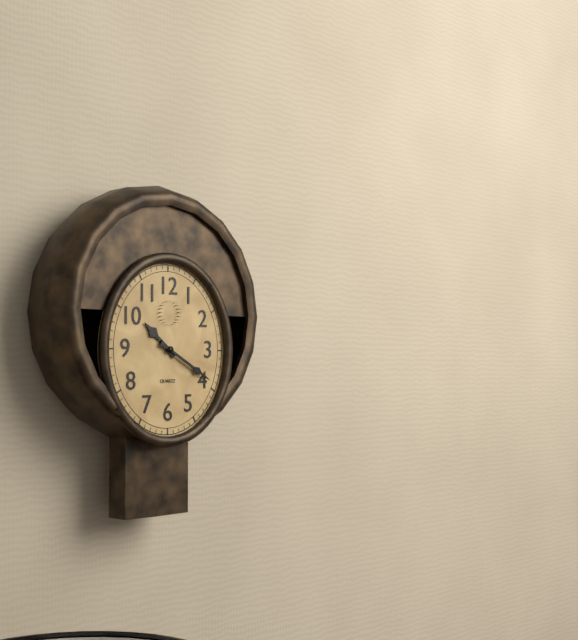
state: 10:20
